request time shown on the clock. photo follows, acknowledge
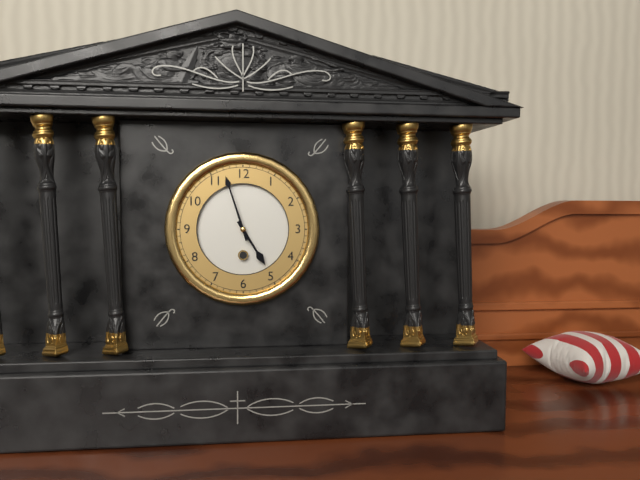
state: 4:57
